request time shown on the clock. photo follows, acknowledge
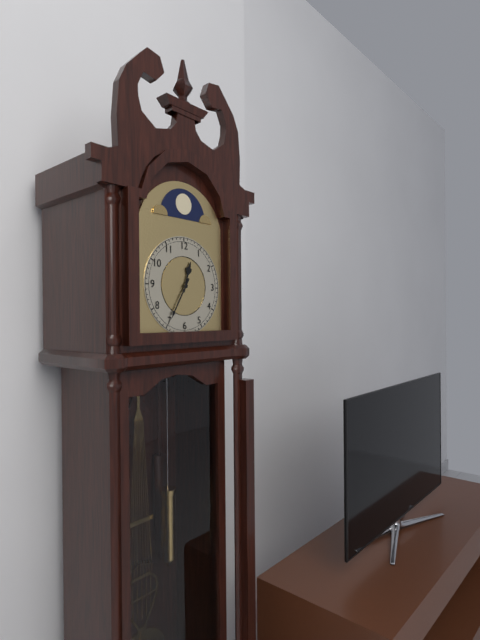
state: 12:35
